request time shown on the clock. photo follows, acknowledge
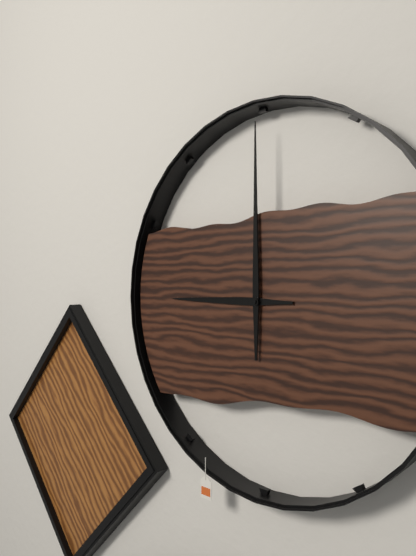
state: 9:00
